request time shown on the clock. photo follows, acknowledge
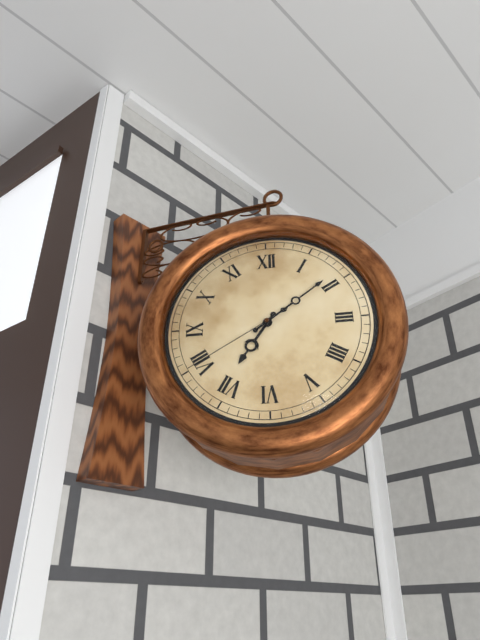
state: 7:09:40
